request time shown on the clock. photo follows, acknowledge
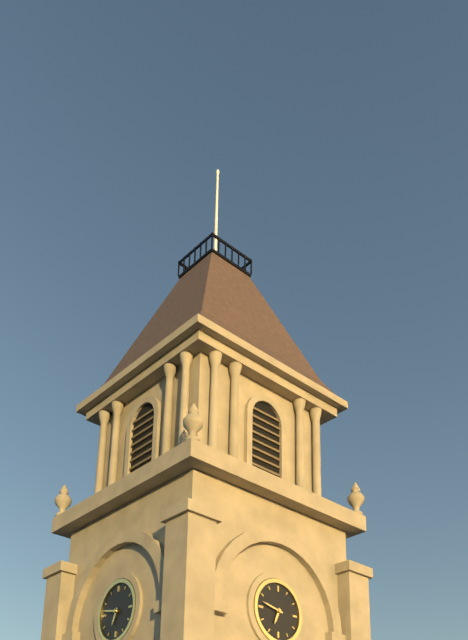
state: 6:47
